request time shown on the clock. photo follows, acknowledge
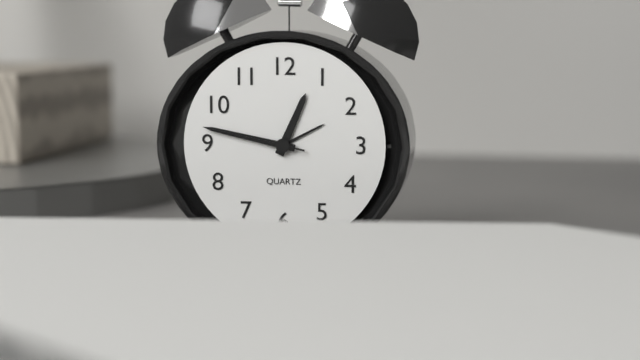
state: 12:47:47
